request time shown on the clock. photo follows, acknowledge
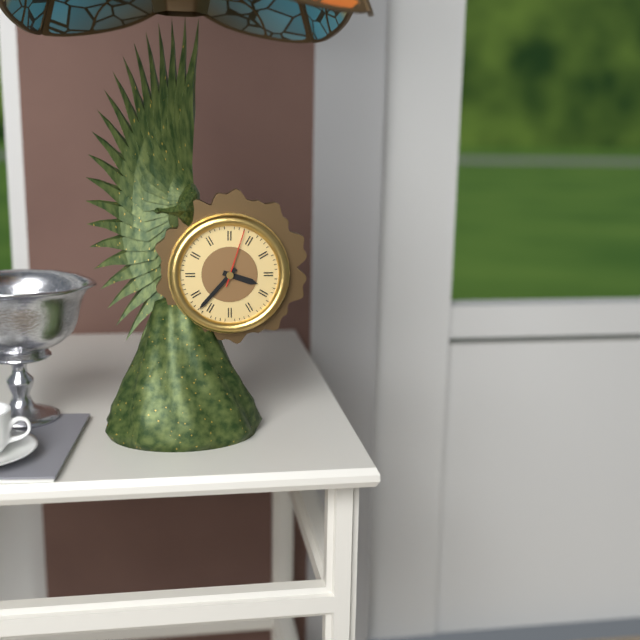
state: 3:37:03
